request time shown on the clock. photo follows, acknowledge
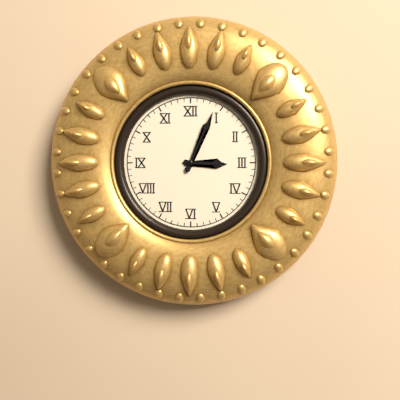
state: 3:04
